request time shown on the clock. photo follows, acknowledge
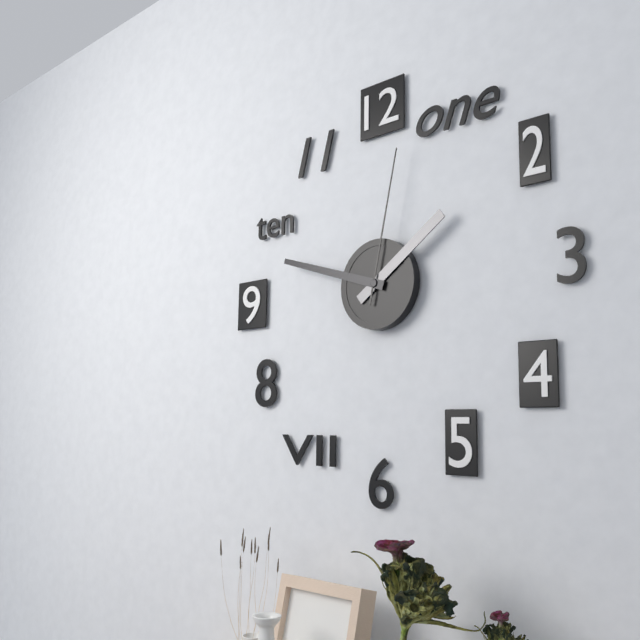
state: 1:48:02
